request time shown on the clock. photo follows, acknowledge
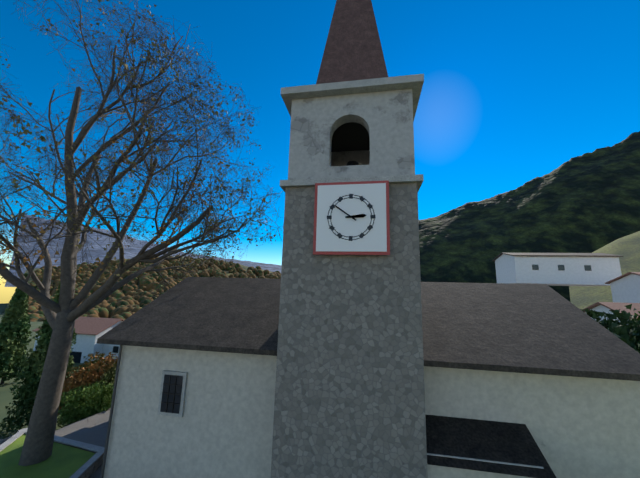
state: 2:51
